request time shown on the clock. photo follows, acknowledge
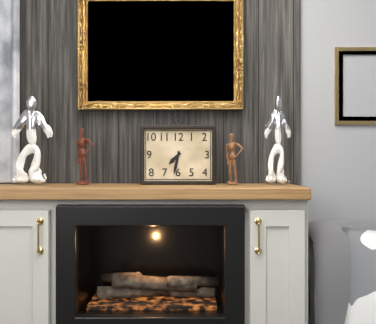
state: 7:32
